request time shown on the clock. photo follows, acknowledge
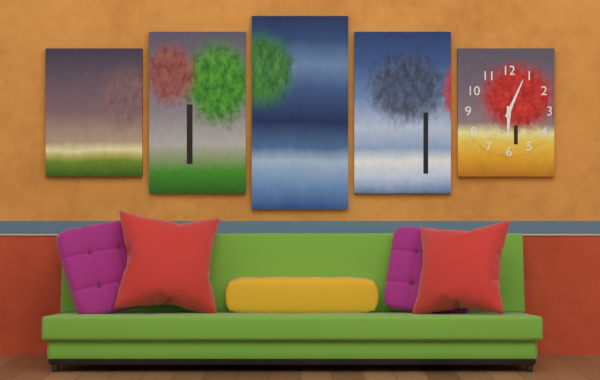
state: 6:04
